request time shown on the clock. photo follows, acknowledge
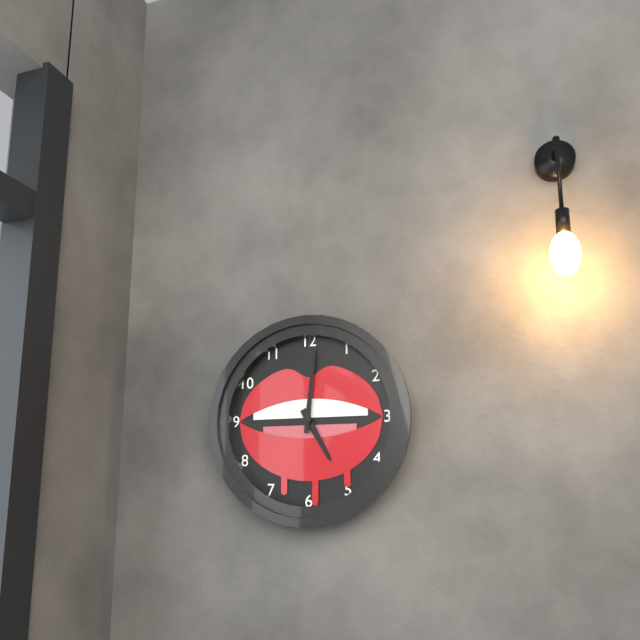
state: 5:01
